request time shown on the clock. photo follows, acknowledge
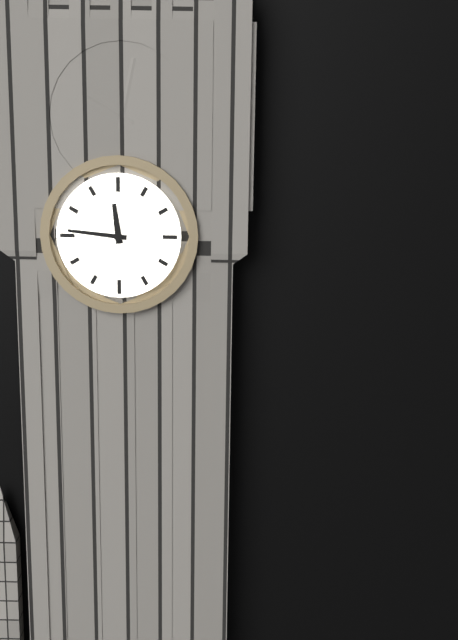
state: 11:46
